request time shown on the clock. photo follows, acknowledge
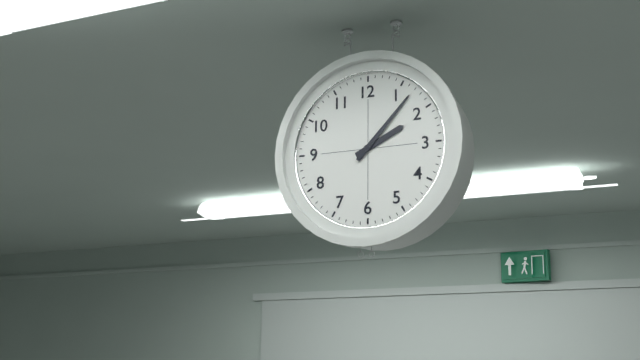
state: 2:07
